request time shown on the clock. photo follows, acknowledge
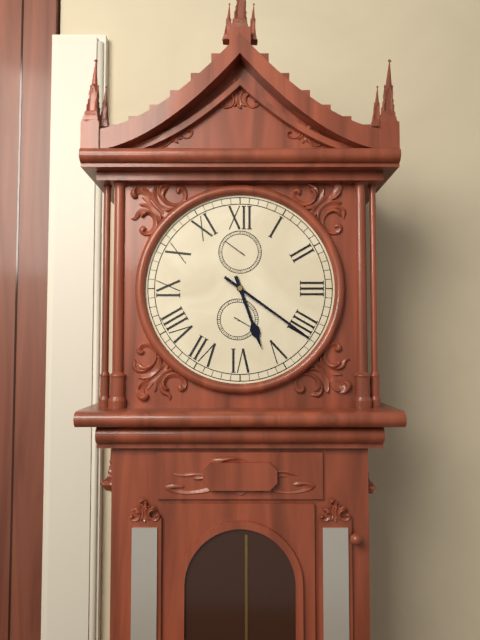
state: 5:21
